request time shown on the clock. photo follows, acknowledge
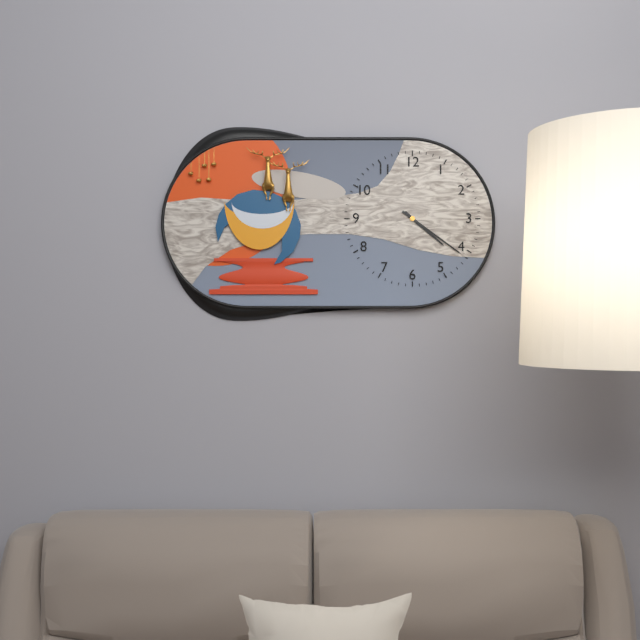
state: 4:21
